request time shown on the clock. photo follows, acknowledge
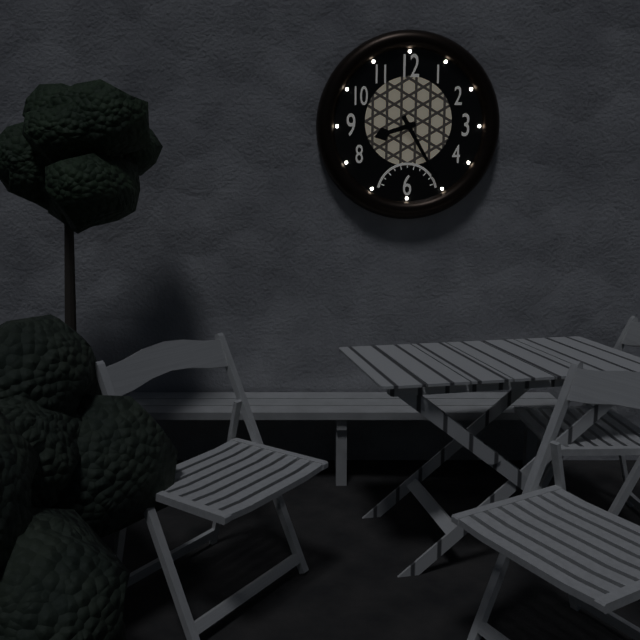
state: 8:25
